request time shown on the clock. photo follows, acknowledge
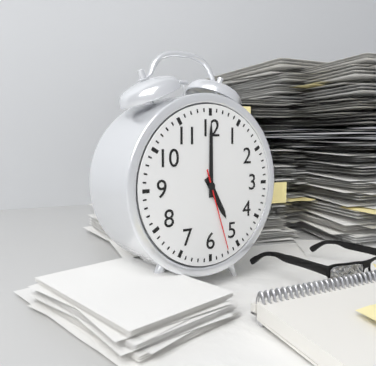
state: 5:00:27
